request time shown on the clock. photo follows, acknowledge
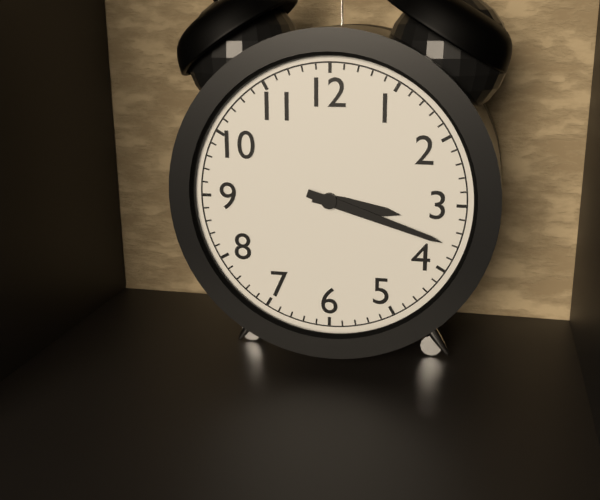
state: 3:18
